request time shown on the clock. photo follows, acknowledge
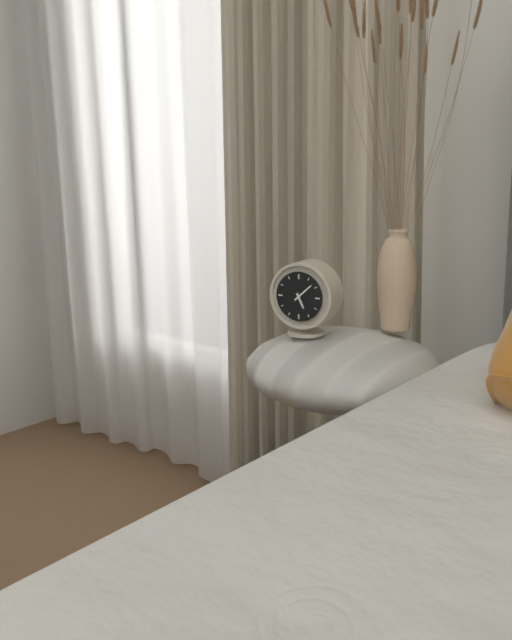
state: 5:08
